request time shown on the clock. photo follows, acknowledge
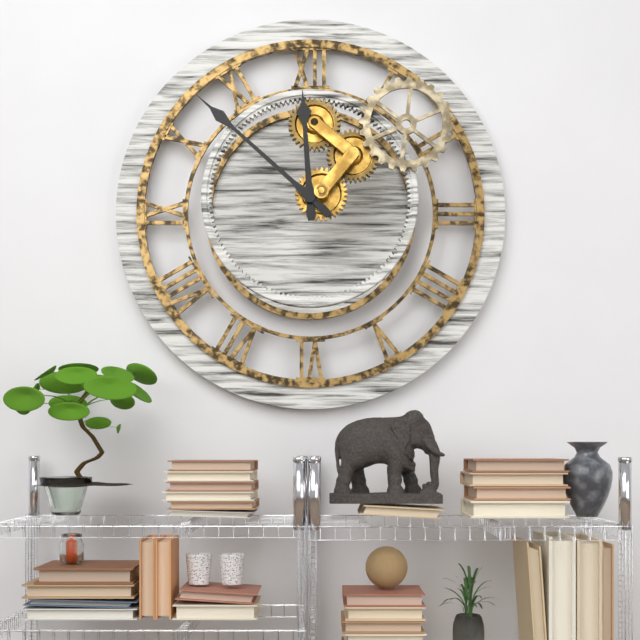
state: 11:52
